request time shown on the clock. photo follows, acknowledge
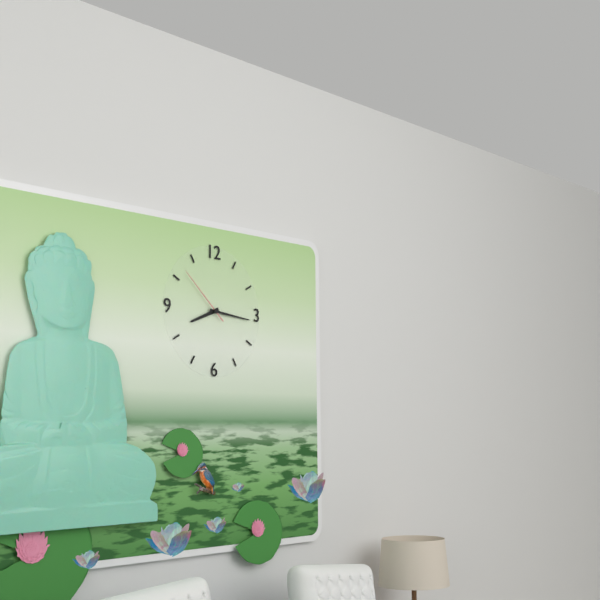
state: 8:16:52
